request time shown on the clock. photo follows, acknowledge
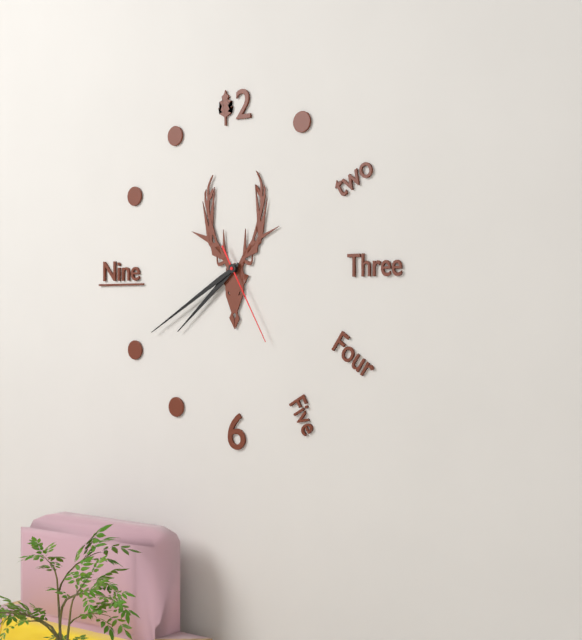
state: 7:40:25
